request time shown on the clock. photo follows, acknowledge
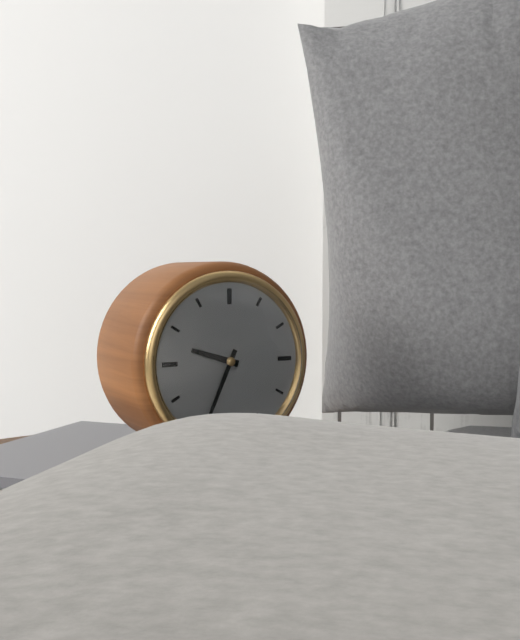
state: 9:34
